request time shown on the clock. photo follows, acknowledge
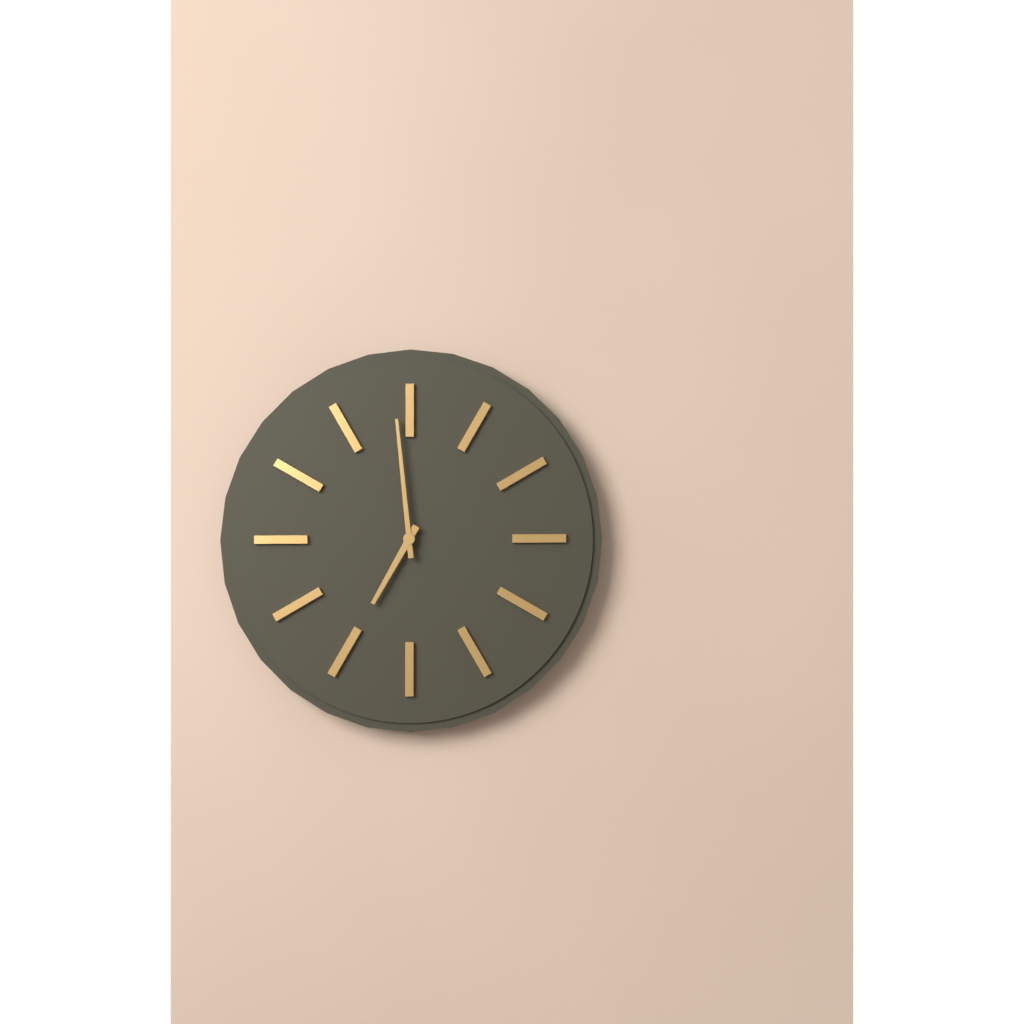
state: 6:59
